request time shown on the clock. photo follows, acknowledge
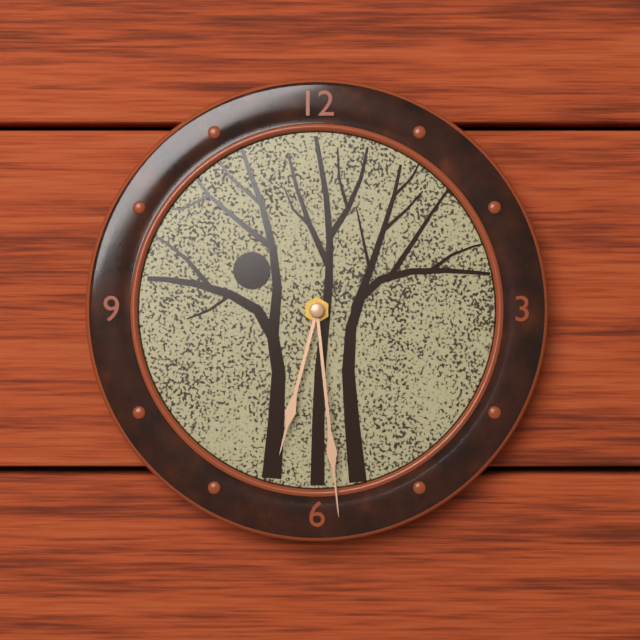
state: 6:29
